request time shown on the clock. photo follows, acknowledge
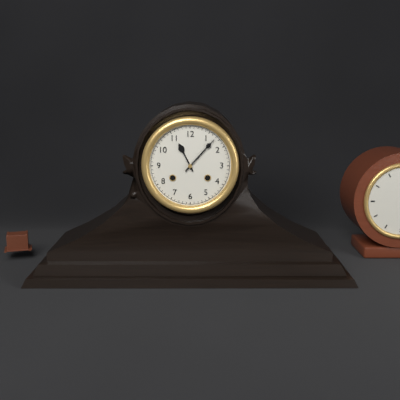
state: 11:07
